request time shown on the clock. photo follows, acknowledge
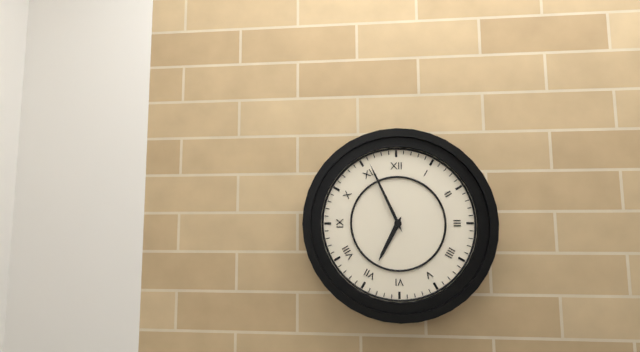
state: 6:56
